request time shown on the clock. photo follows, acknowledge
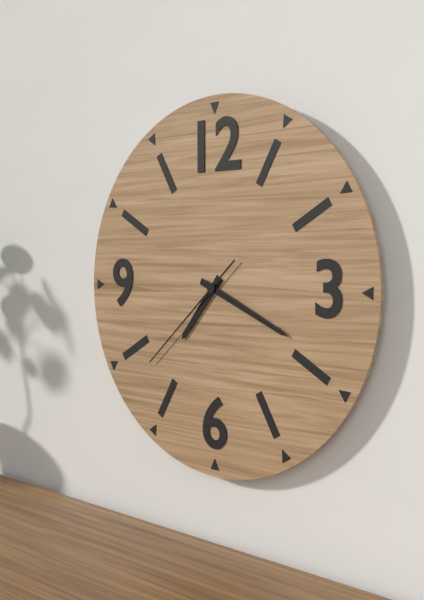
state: 7:19:38
